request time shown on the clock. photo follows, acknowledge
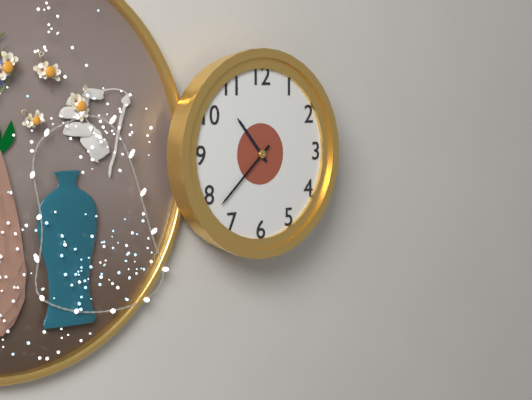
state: 10:38
